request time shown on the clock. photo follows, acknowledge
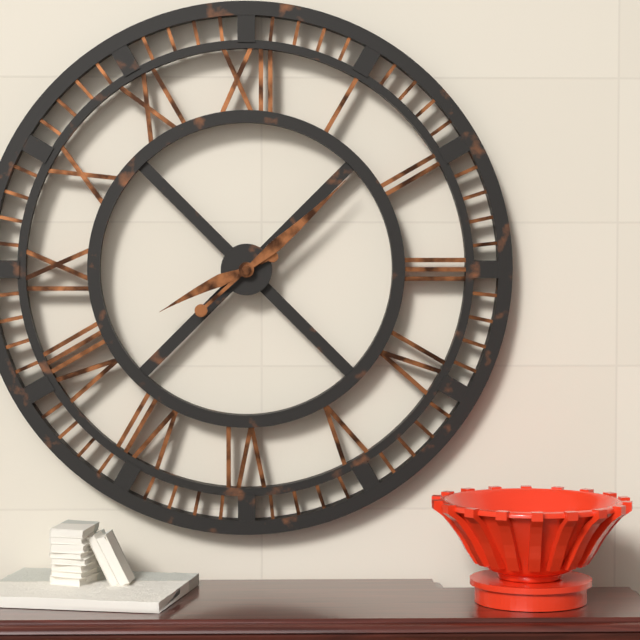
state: 8:08
